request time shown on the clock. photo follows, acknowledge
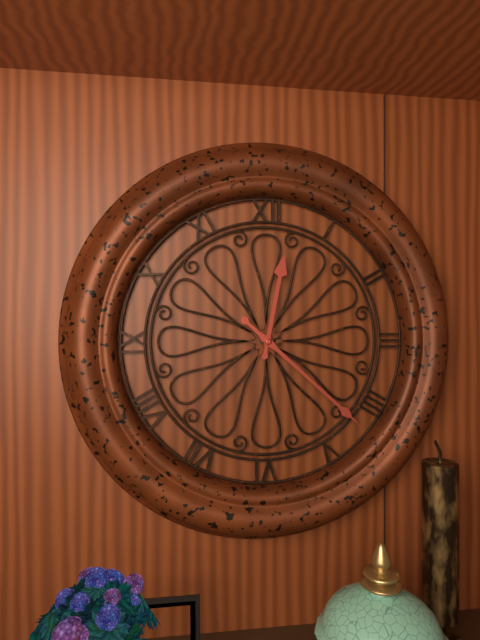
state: 12:22
